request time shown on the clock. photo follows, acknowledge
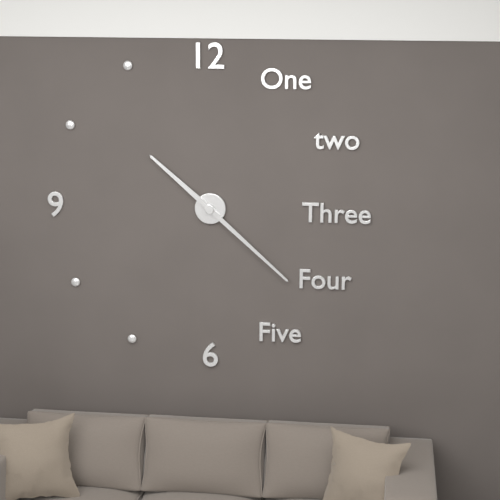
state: 10:22
